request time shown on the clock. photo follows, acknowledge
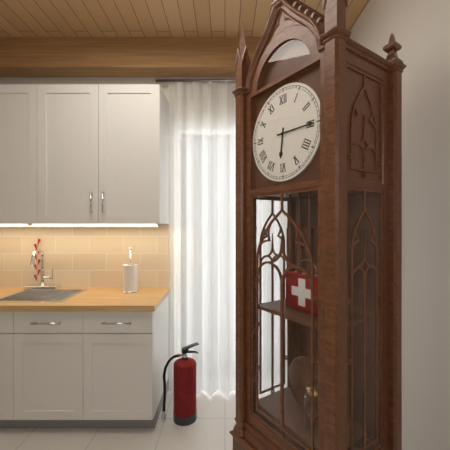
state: 6:15
